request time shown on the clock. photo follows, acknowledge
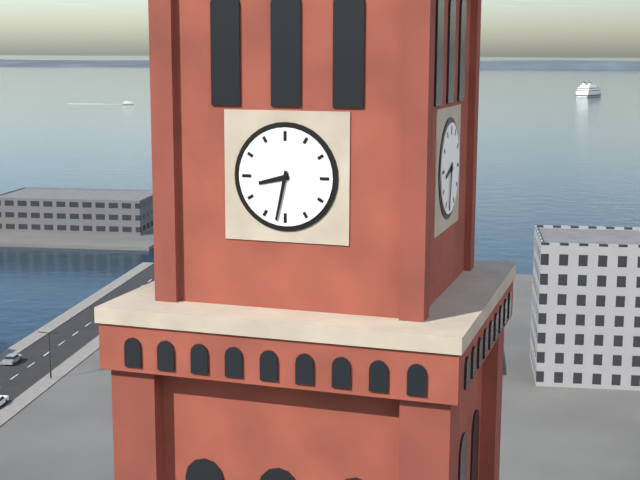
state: 8:32
